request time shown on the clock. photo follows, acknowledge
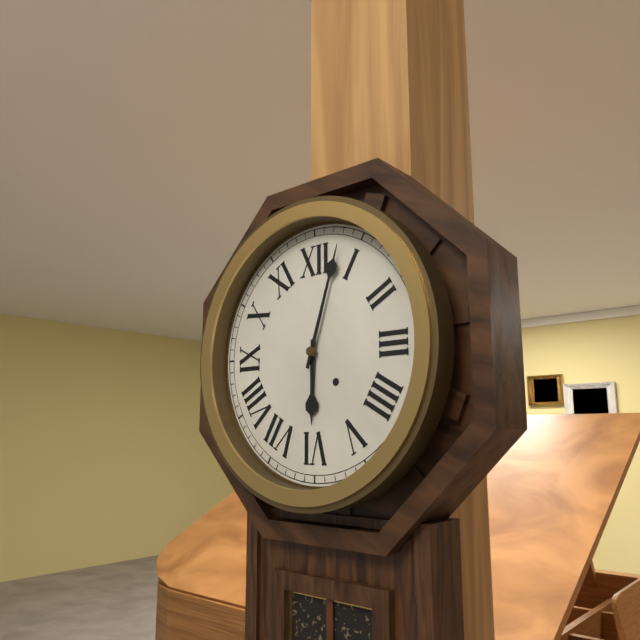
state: 6:03
